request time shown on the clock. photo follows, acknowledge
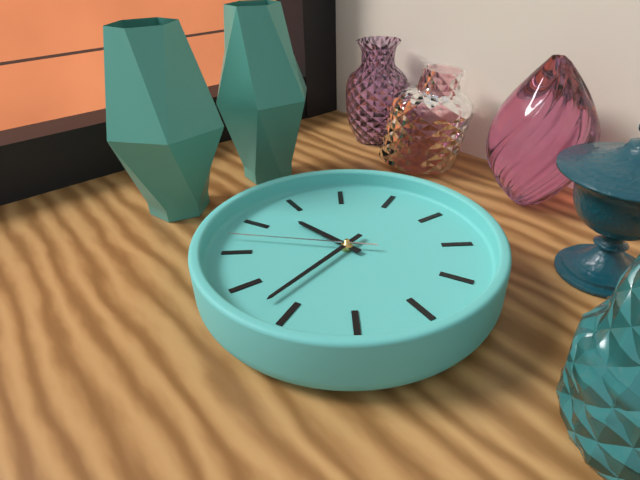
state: 9:32:42
